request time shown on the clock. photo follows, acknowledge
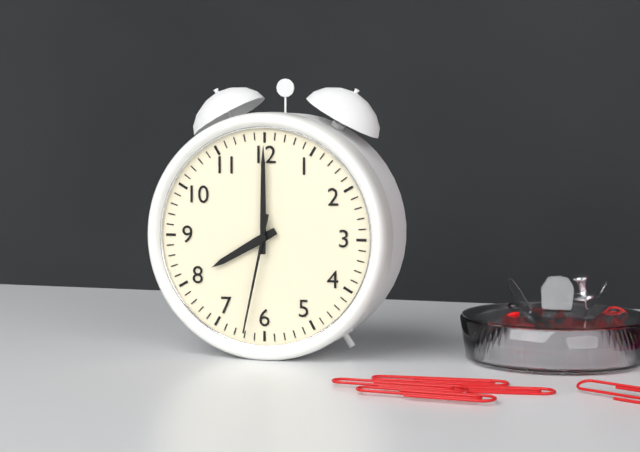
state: 8:00:32
